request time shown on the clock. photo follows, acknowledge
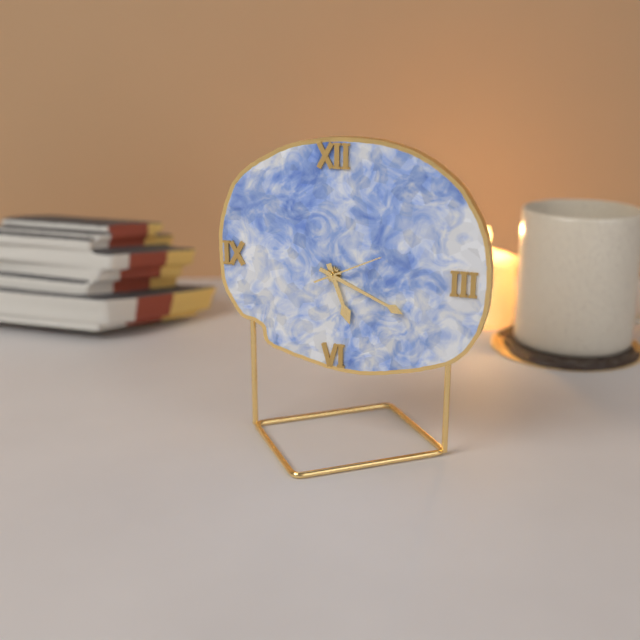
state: 5:19:11
